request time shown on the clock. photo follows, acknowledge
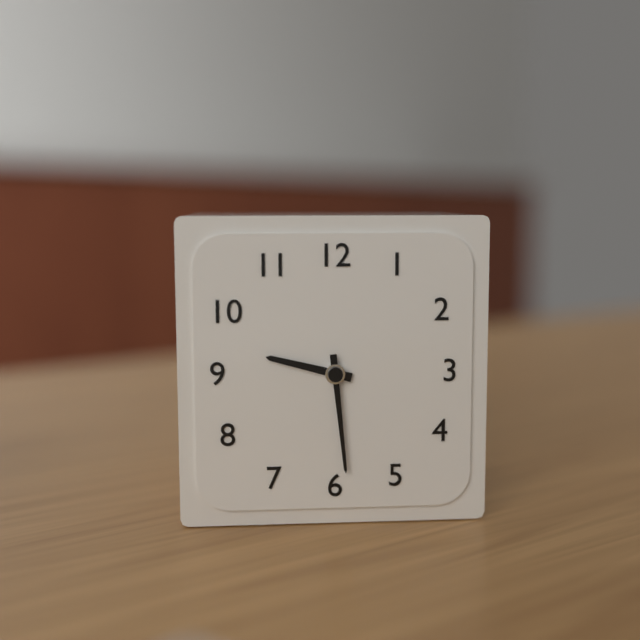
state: 9:29
